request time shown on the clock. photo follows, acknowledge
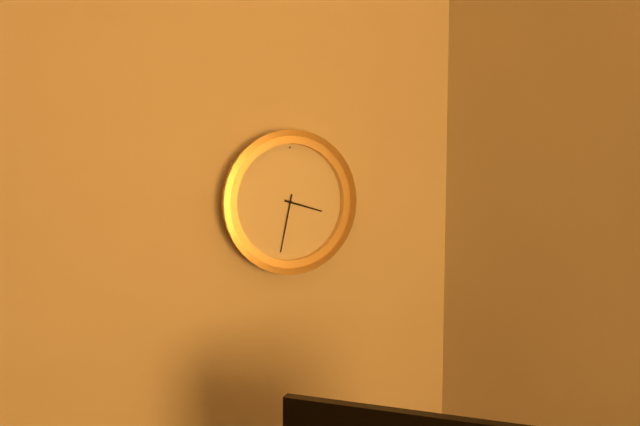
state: 3:32
